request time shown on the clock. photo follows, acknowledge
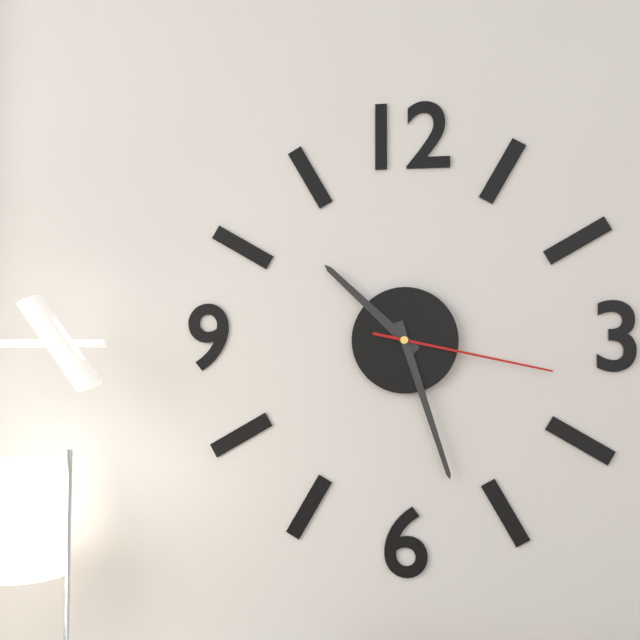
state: 10:27:17
